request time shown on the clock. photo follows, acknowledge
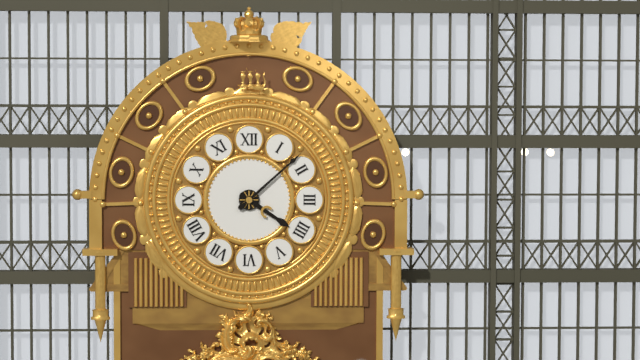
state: 4:08
